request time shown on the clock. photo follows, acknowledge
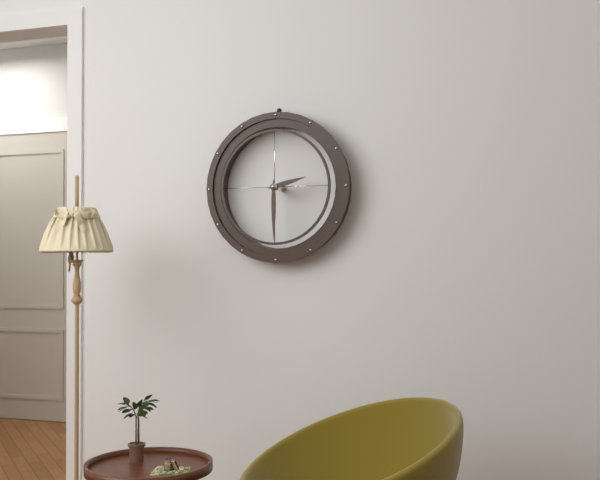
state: 2:30
